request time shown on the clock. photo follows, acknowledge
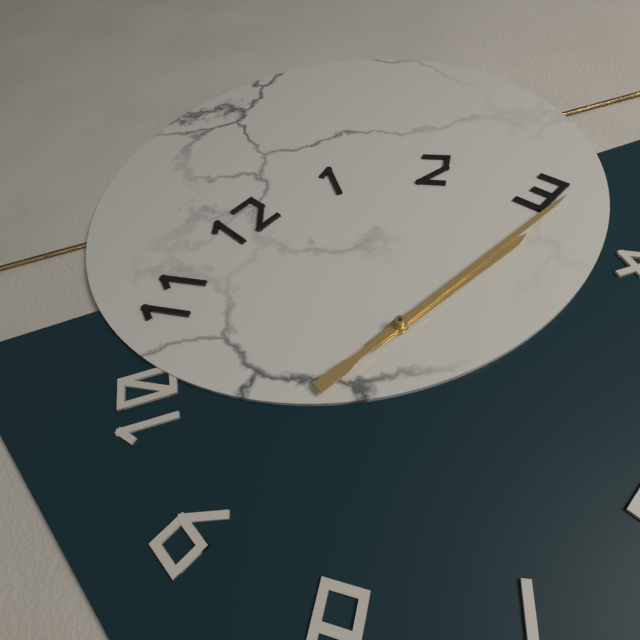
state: 3:16
